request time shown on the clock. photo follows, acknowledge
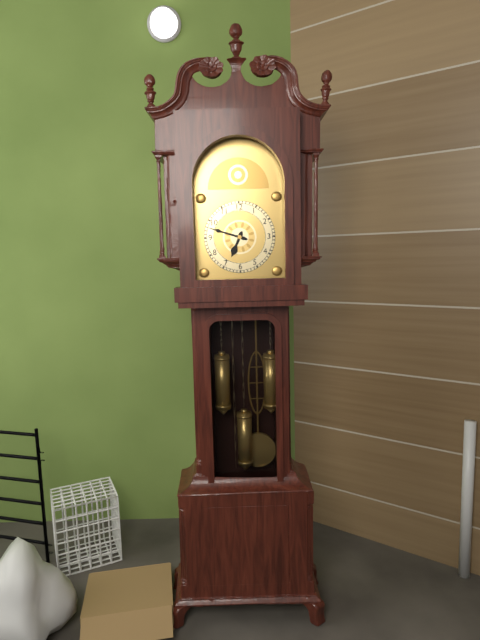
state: 6:48
